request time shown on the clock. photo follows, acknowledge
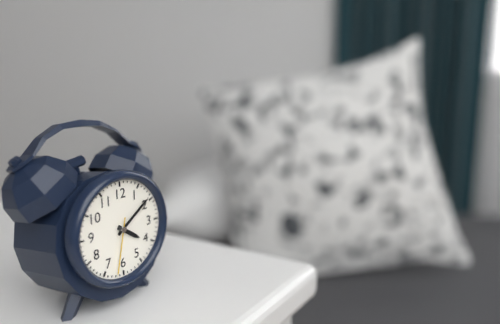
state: 4:09:32
